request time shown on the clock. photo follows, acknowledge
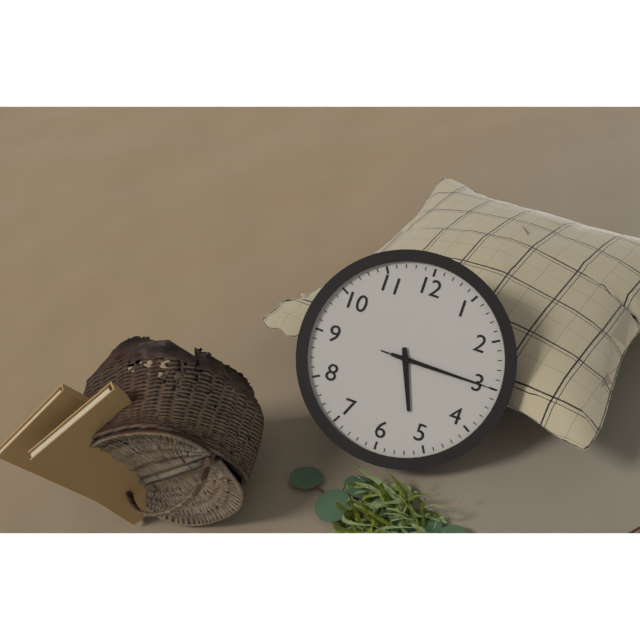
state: 5:15:15
